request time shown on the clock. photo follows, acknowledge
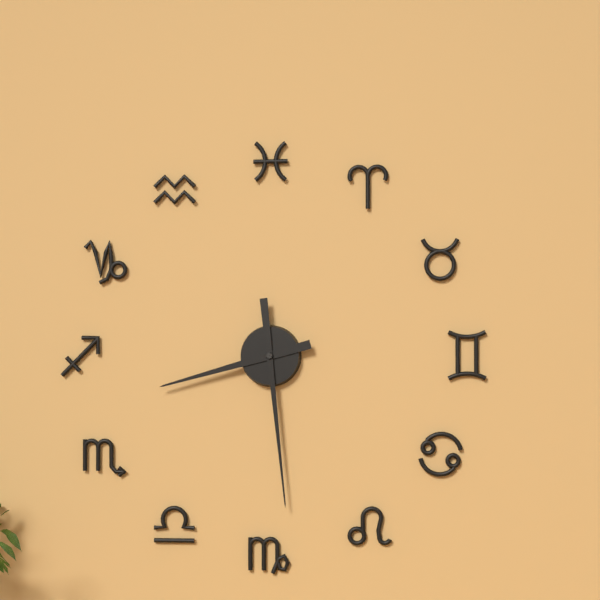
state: 8:29
